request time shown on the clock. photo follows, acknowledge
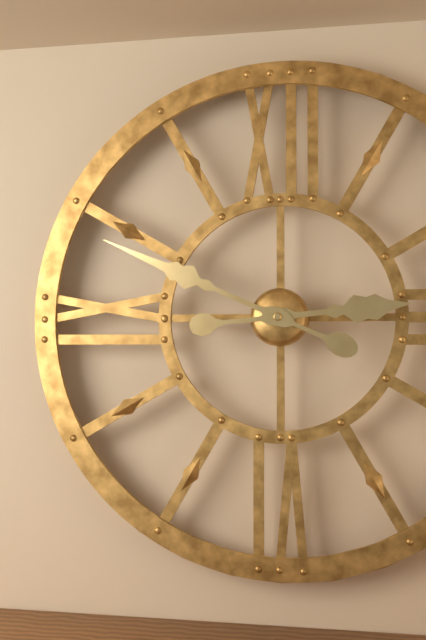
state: 2:49
